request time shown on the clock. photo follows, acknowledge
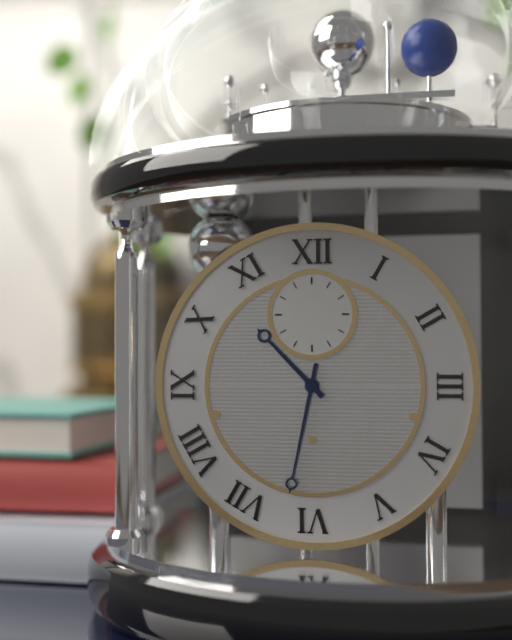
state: 10:32
